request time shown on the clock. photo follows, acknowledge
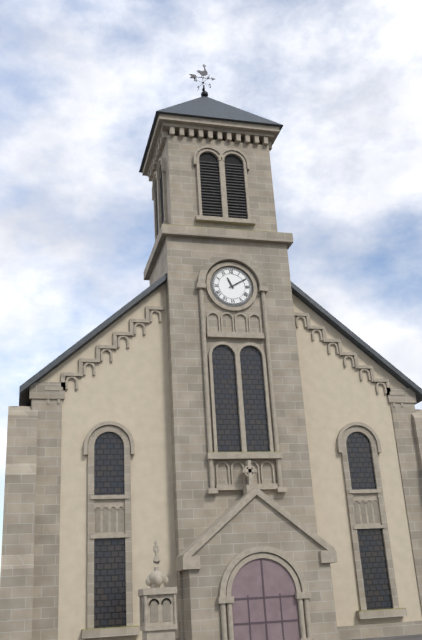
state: 11:10
